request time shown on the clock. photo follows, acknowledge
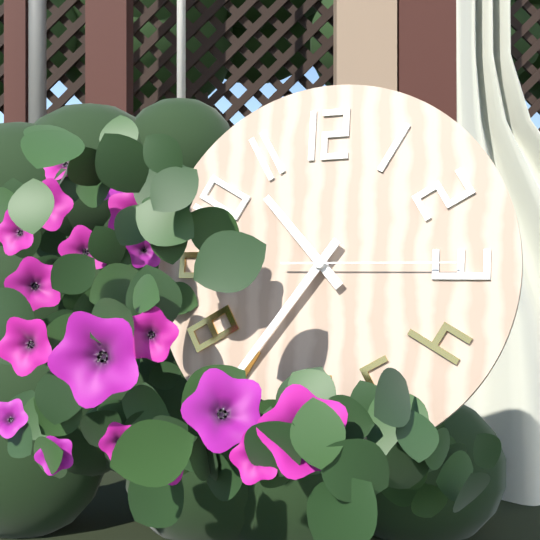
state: 10:36:15
